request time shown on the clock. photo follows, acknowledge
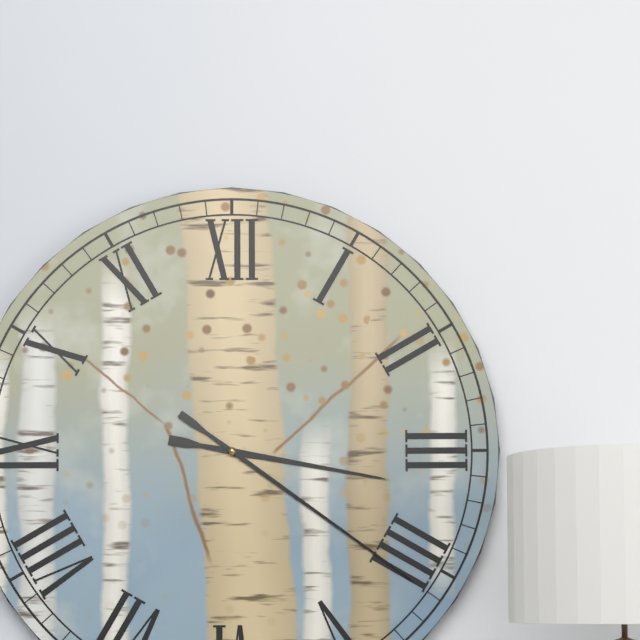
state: 3:21
